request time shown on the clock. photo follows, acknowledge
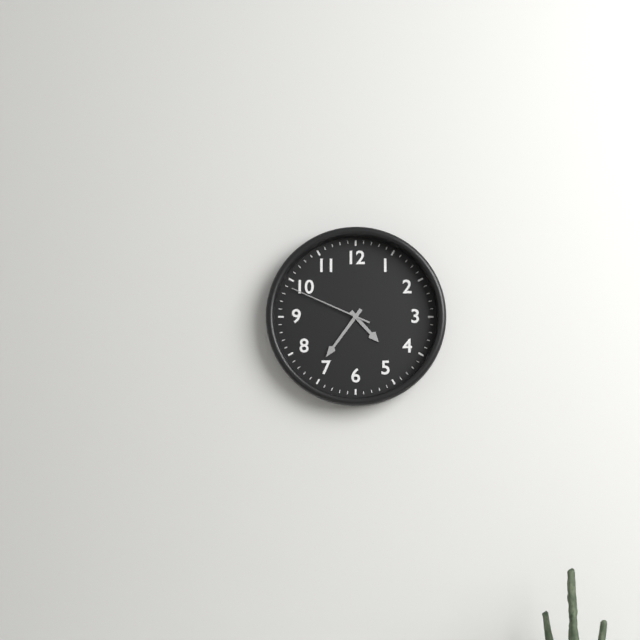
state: 4:36:49
